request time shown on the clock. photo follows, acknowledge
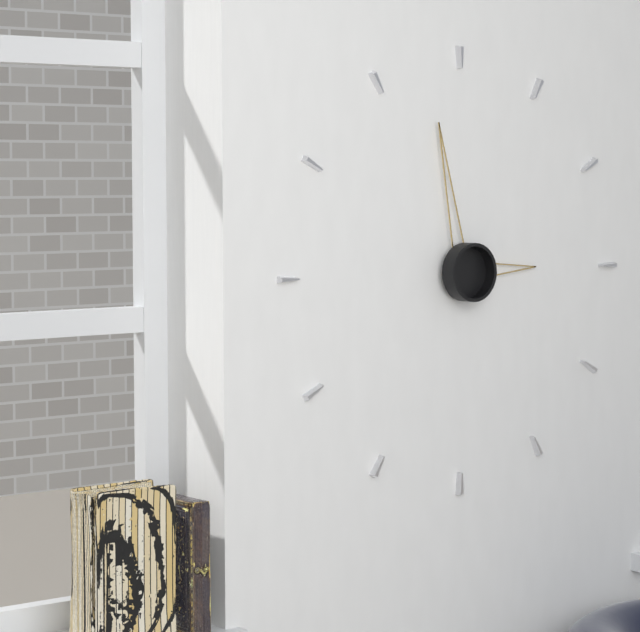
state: 2:58
